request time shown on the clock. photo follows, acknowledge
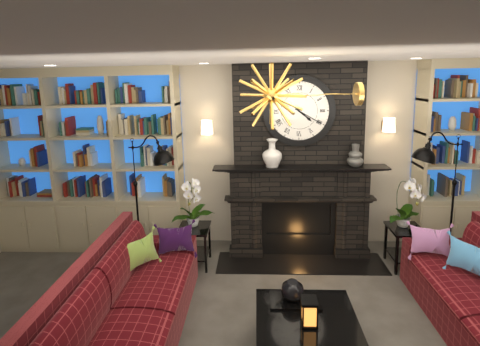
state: 4:20
